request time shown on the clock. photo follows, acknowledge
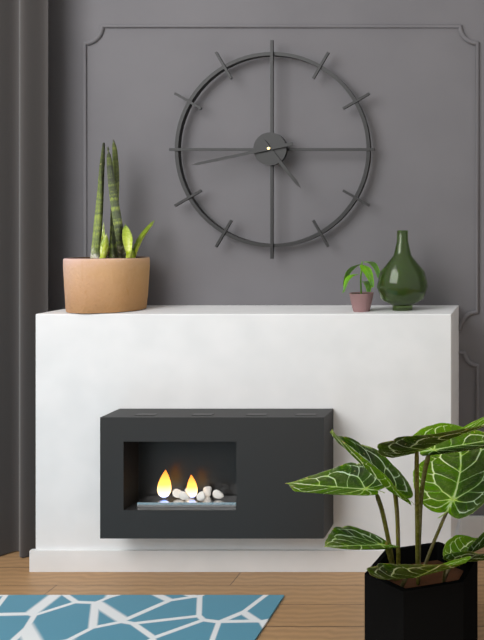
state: 4:43
